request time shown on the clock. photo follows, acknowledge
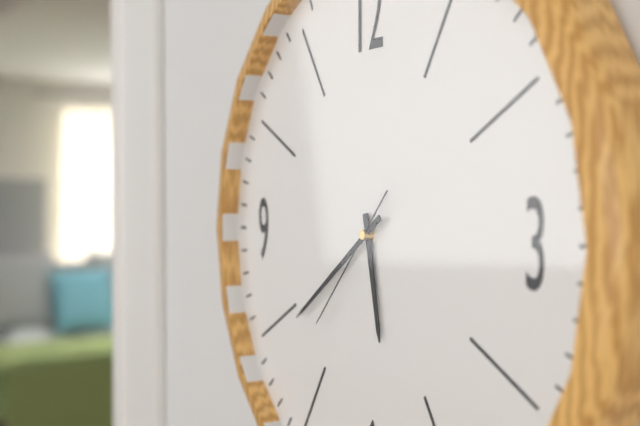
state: 5:39:37
